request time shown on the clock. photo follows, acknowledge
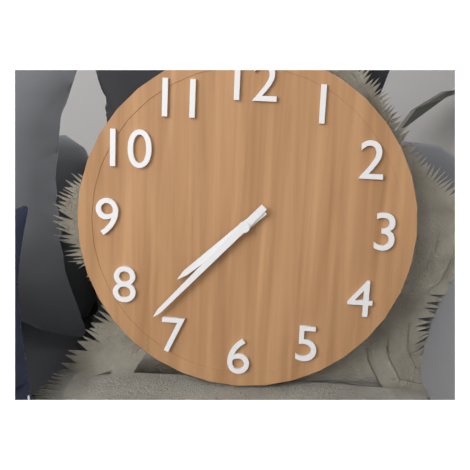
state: 7:37
